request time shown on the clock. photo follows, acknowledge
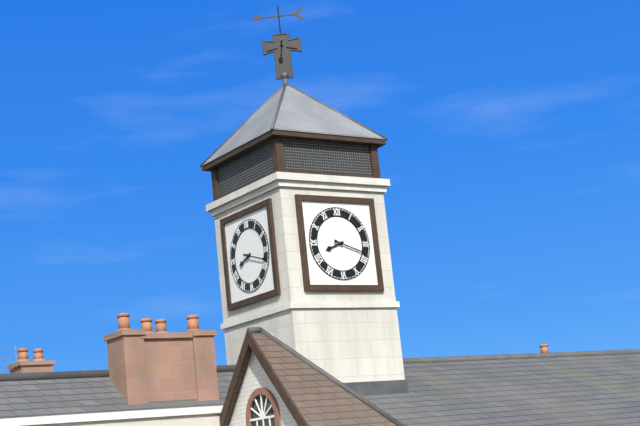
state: 8:18
